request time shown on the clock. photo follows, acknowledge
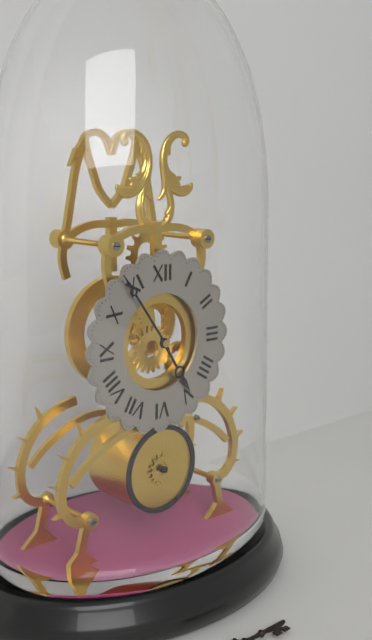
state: 4:54
